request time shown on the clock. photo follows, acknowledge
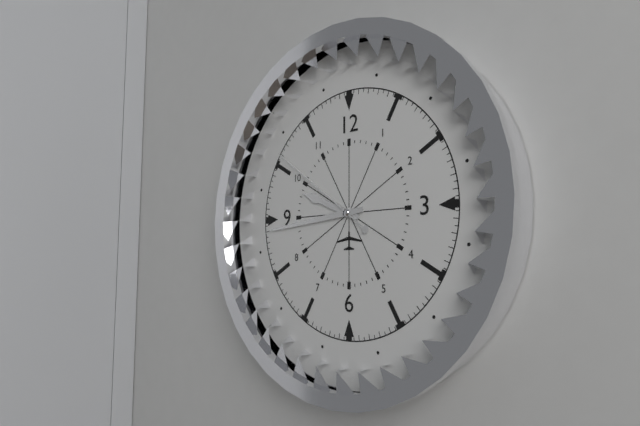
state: 9:44:51
